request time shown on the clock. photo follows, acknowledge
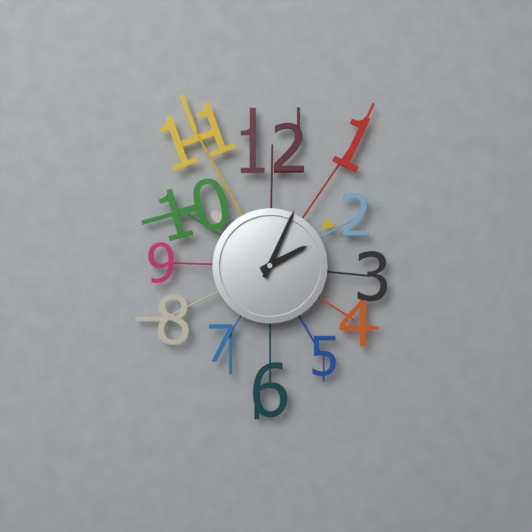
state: 2:04
